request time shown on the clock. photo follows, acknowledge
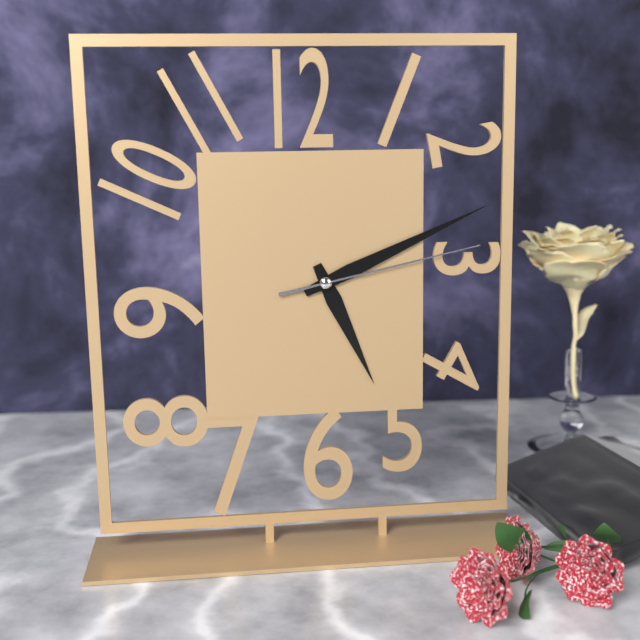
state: 5:11:13
